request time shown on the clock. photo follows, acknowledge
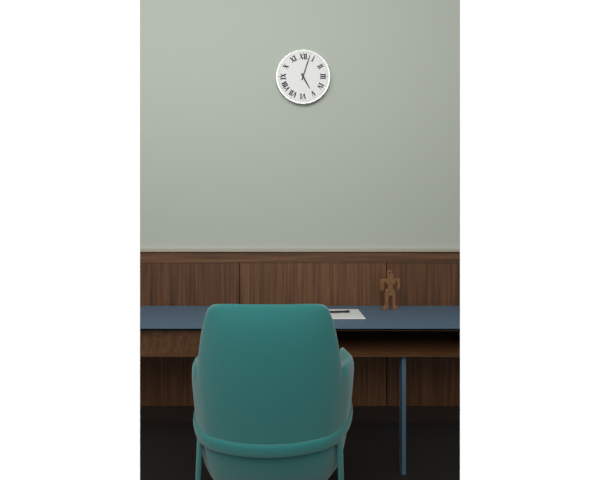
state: 5:03
